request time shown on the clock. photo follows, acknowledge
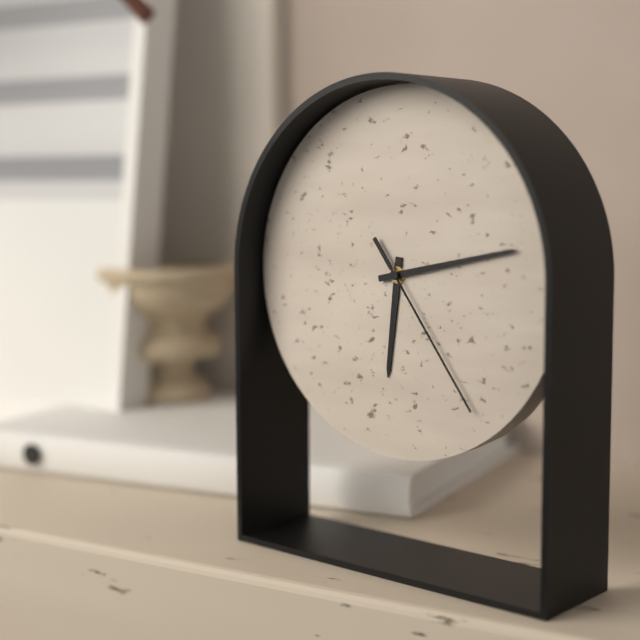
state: 6:13:24
